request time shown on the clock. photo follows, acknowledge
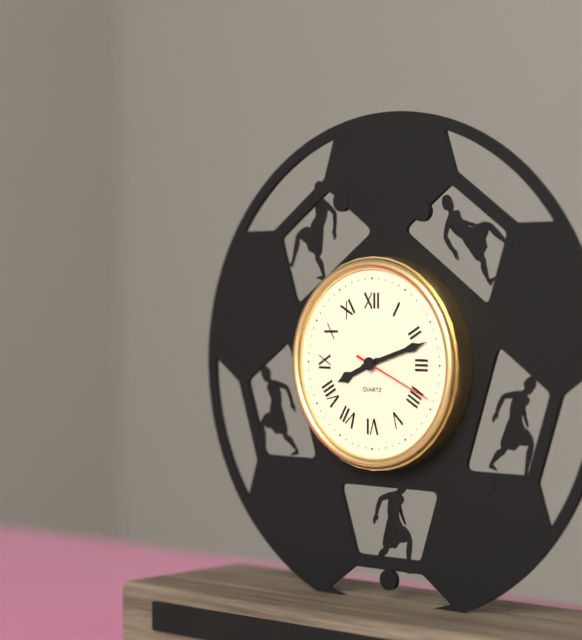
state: 8:12:19
